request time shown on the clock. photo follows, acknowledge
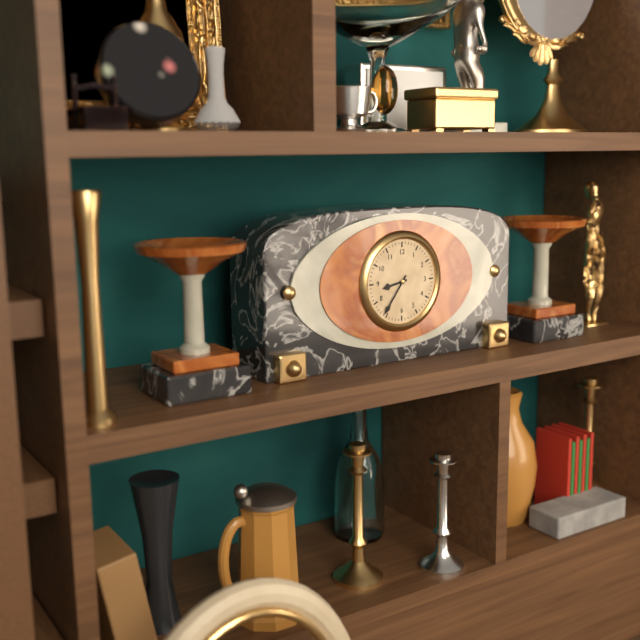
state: 8:36
